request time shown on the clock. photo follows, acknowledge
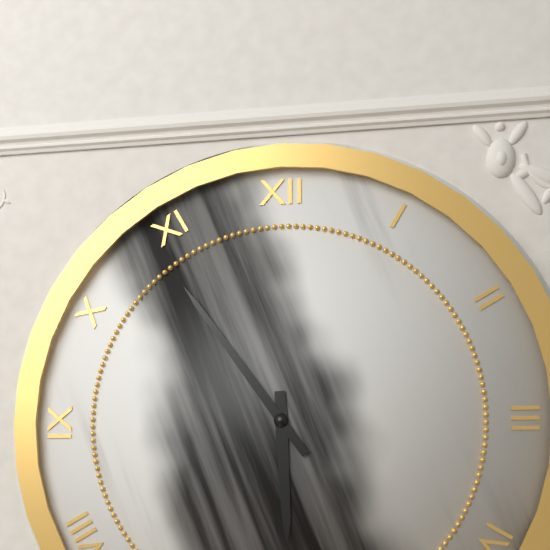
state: 5:54
